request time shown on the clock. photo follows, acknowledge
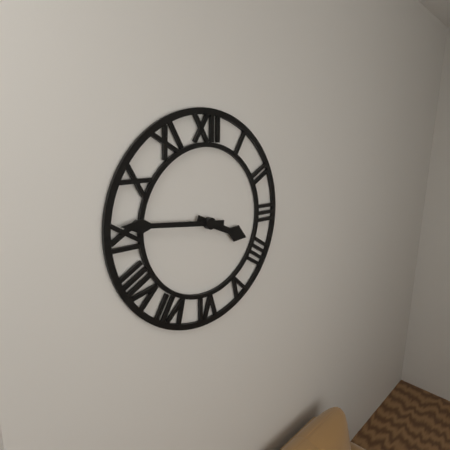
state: 3:46
